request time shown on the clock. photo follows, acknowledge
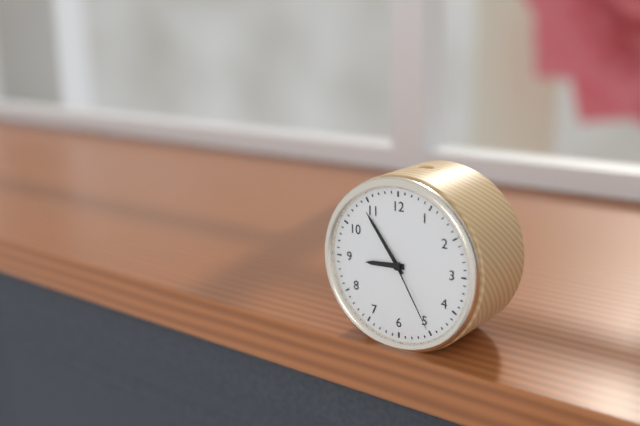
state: 8:54:25
